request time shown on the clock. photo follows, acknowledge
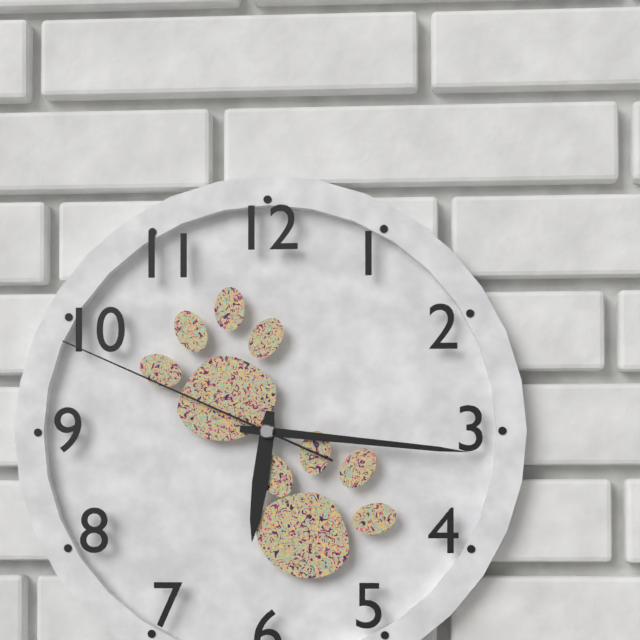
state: 6:16:49
